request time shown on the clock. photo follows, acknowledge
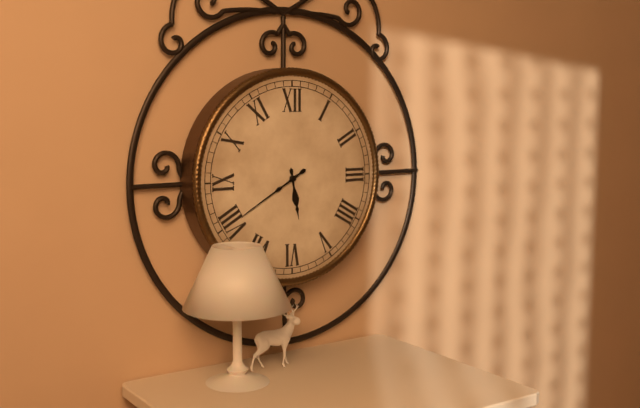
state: 5:40
